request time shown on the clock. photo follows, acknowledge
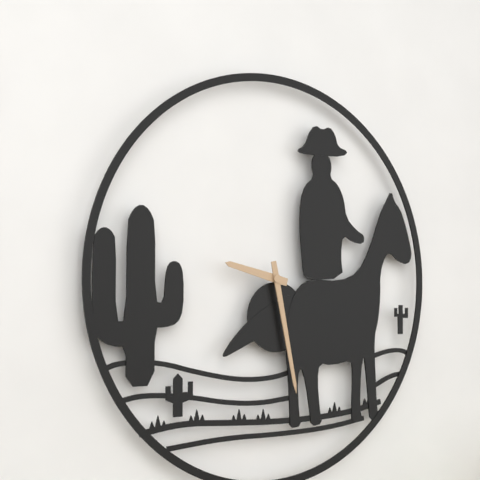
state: 9:28
